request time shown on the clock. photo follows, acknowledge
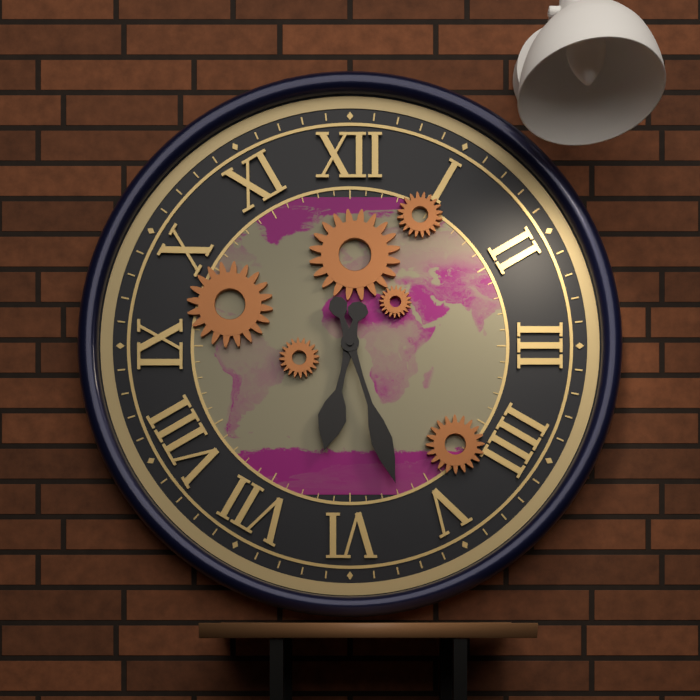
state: 6:27
